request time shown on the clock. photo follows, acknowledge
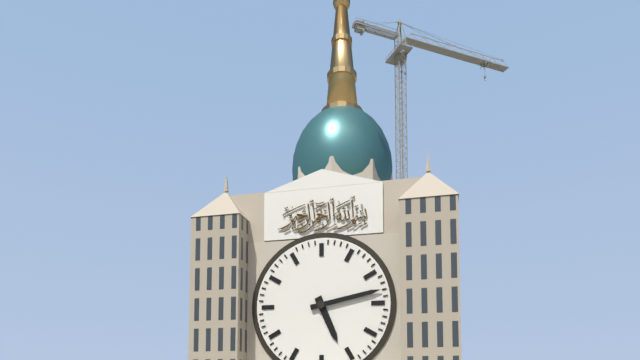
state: 5:13
